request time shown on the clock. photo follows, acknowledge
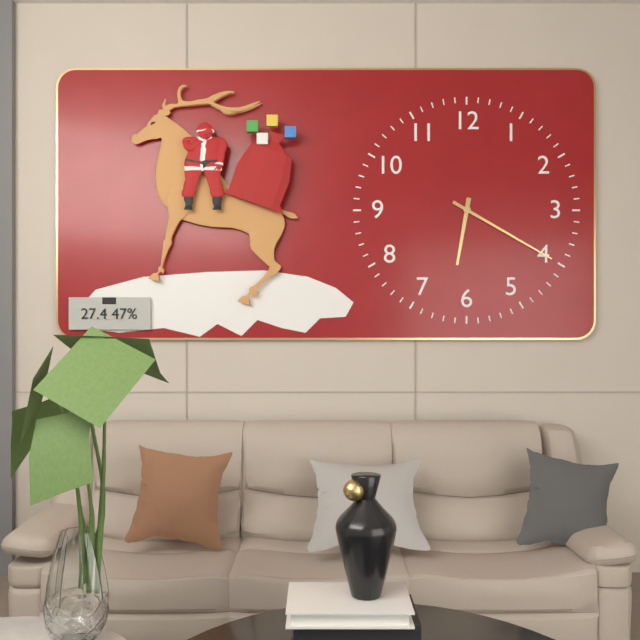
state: 6:20
